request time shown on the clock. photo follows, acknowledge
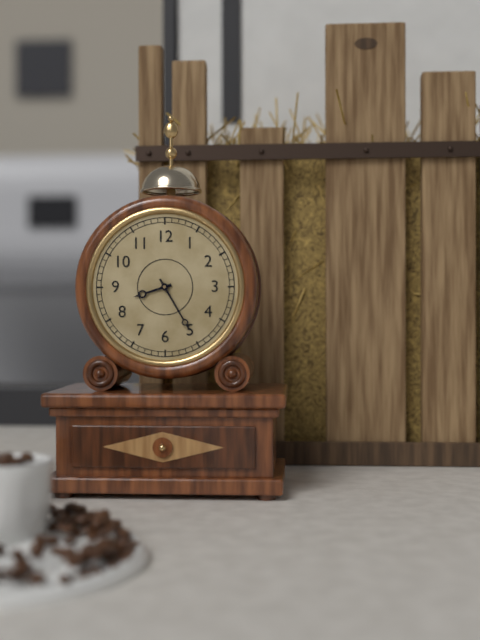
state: 8:25
